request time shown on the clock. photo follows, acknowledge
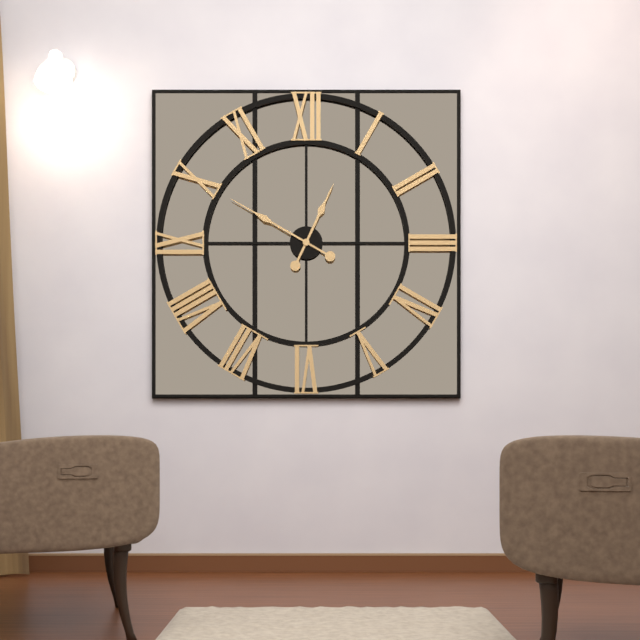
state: 12:50
